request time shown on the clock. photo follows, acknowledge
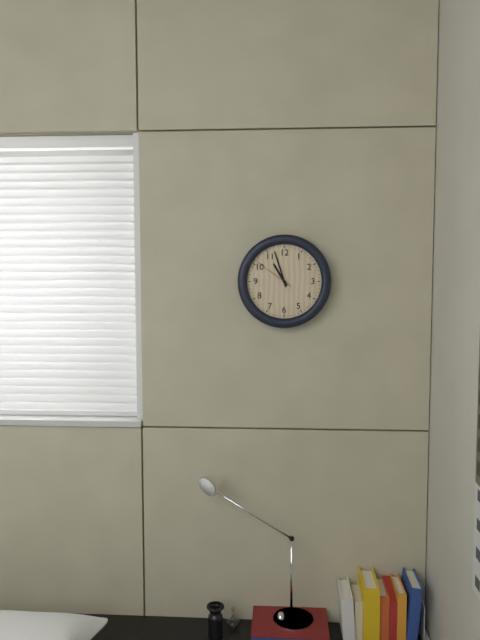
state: 10:57
